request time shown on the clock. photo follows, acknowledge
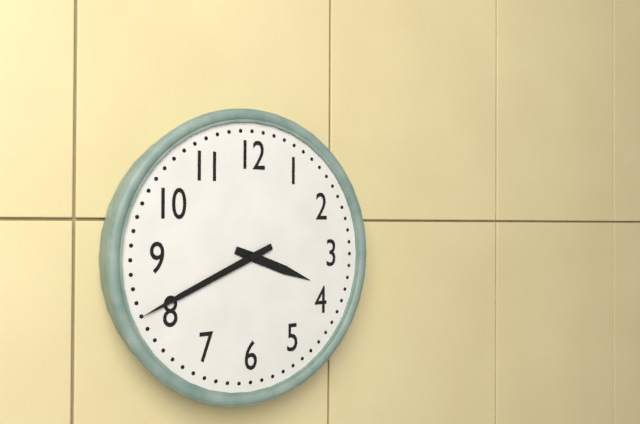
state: 3:41
